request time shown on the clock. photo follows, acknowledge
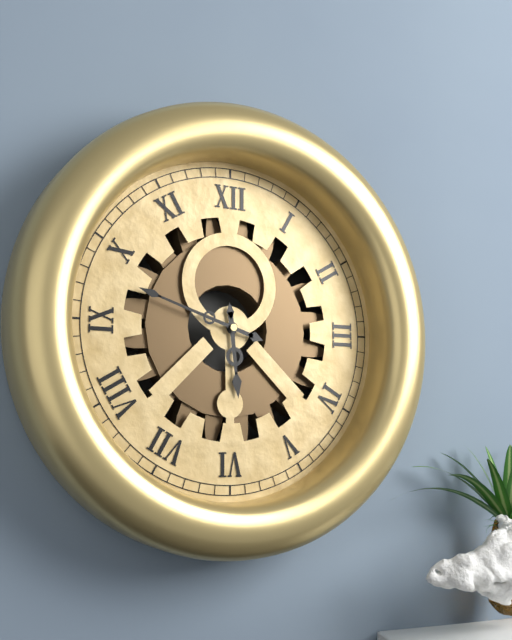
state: 5:48
